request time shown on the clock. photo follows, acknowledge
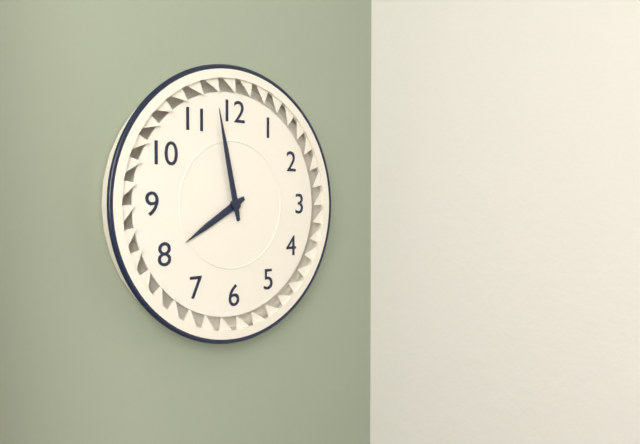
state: 7:58
